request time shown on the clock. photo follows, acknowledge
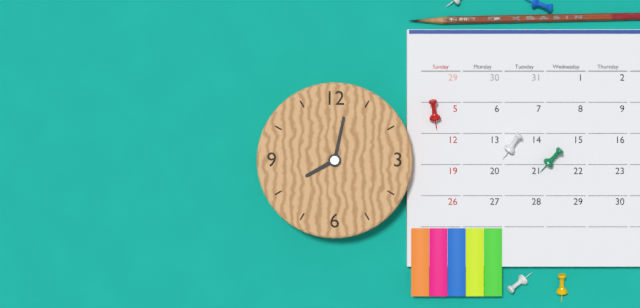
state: 8:02
